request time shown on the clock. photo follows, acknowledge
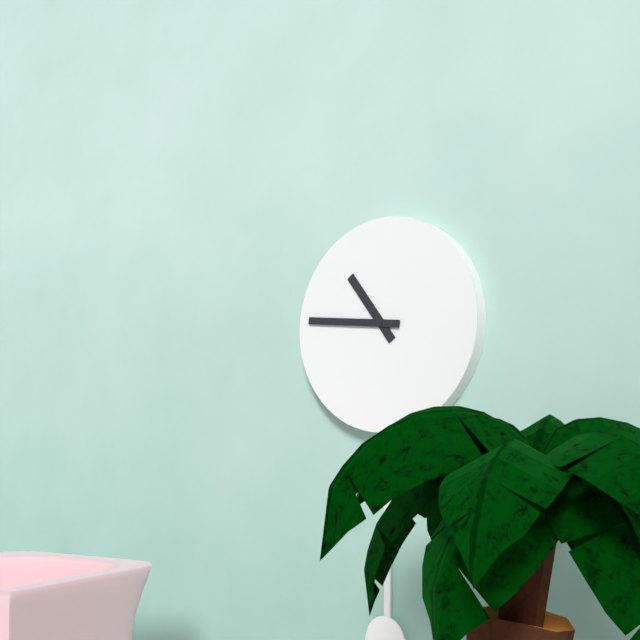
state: 10:46
